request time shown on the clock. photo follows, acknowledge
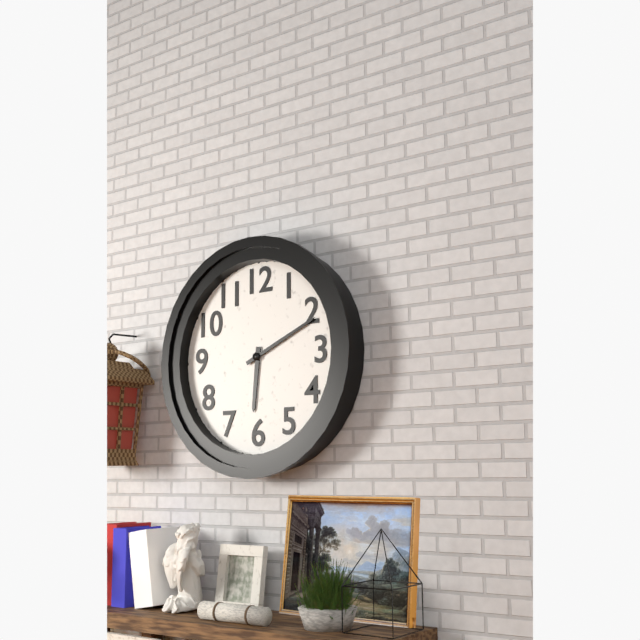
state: 6:11
